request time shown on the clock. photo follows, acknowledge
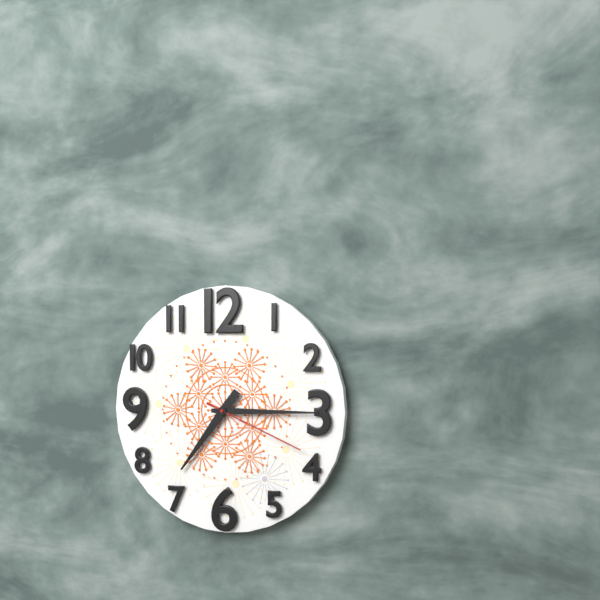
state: 7:15:19
